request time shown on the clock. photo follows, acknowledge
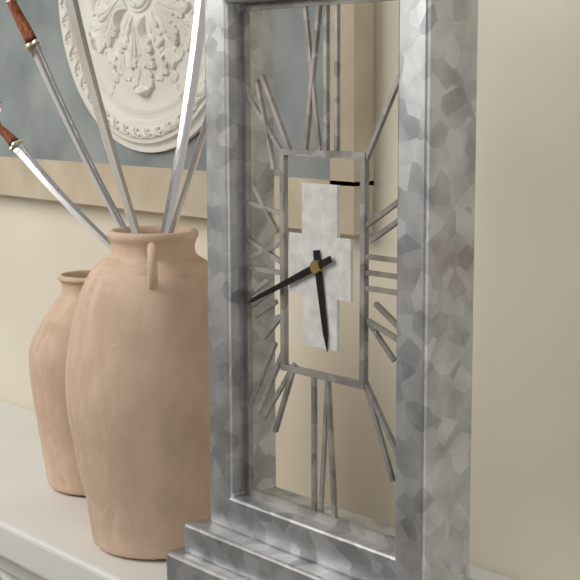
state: 5:41
